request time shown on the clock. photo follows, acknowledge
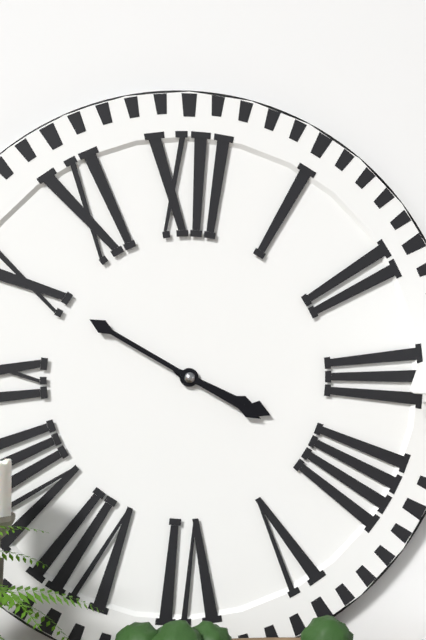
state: 3:50
